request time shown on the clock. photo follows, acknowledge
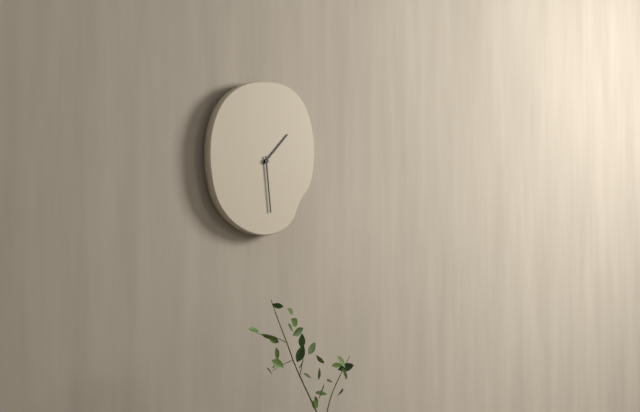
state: 1:29
